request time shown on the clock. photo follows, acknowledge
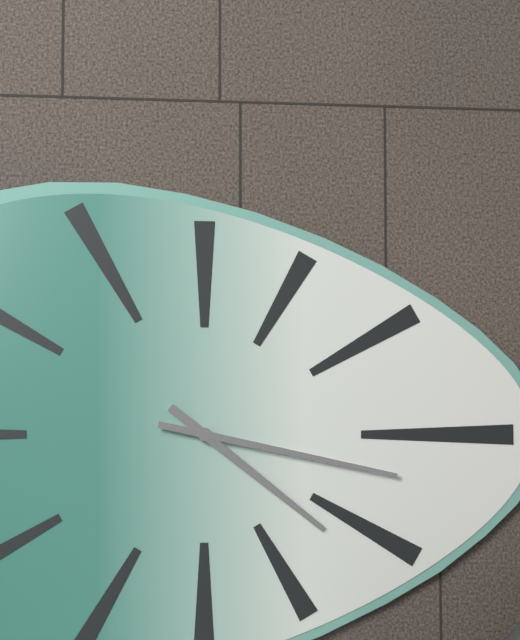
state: 4:17
